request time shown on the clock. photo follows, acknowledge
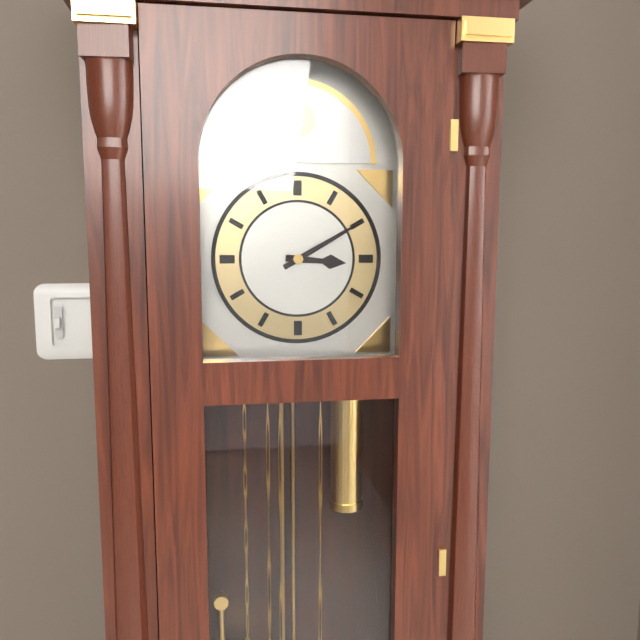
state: 3:10
